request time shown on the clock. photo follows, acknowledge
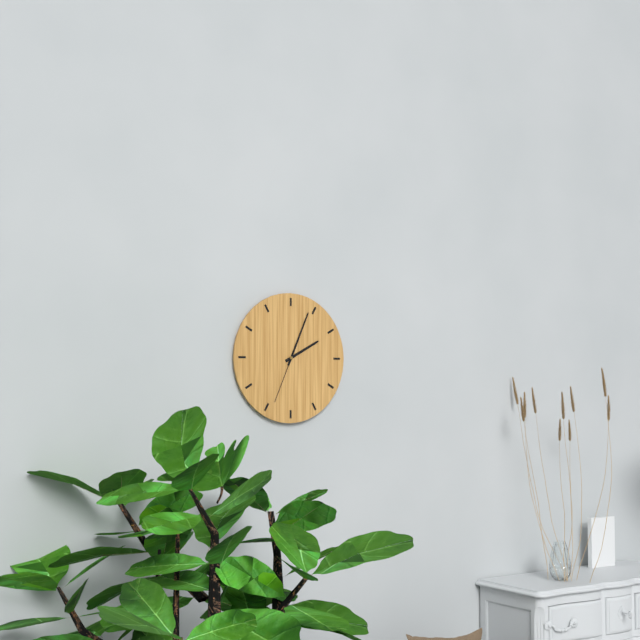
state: 2:04:34
